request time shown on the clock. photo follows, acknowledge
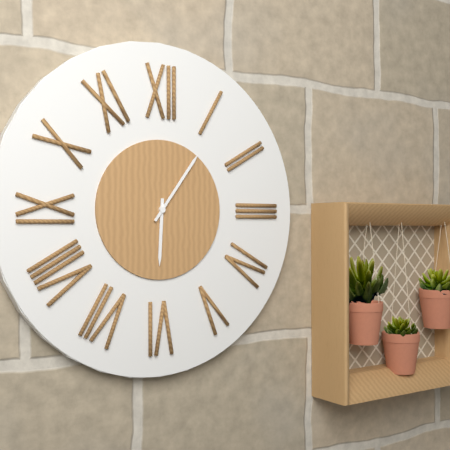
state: 6:06
